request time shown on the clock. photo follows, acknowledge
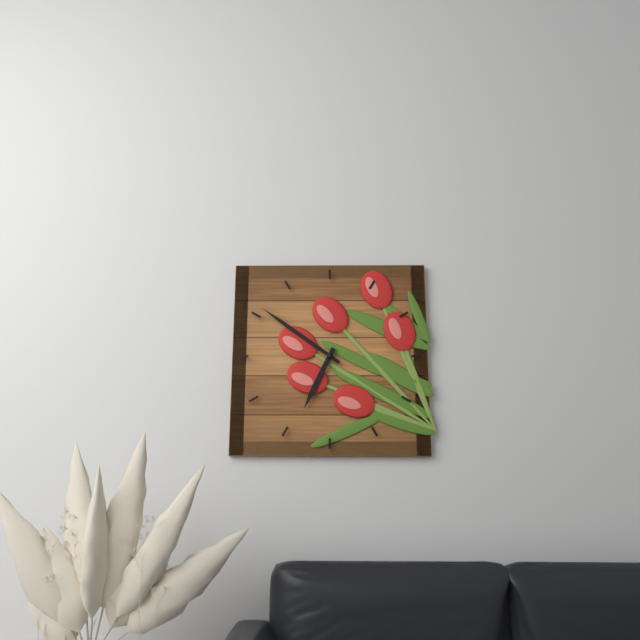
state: 6:51
